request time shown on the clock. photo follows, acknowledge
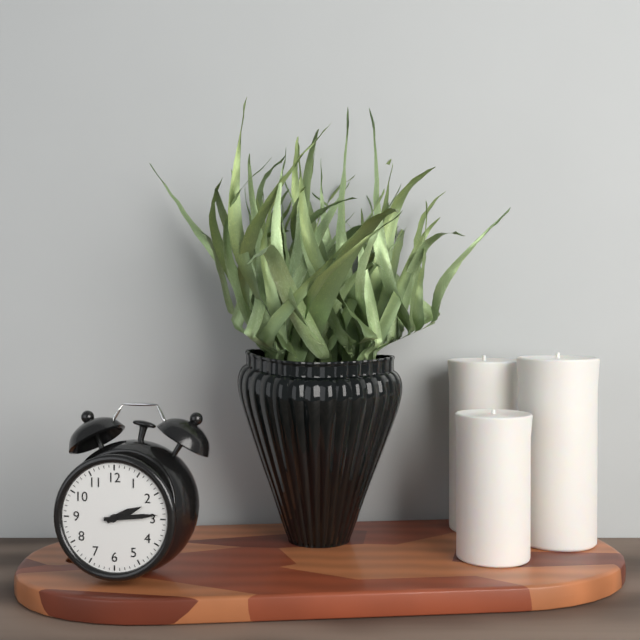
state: 2:14
